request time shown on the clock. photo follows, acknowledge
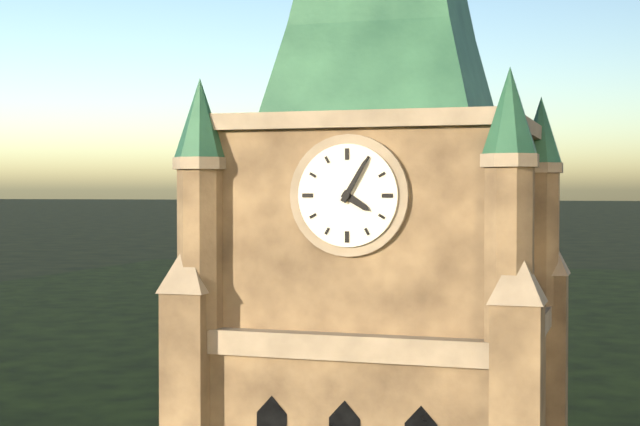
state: 4:05
